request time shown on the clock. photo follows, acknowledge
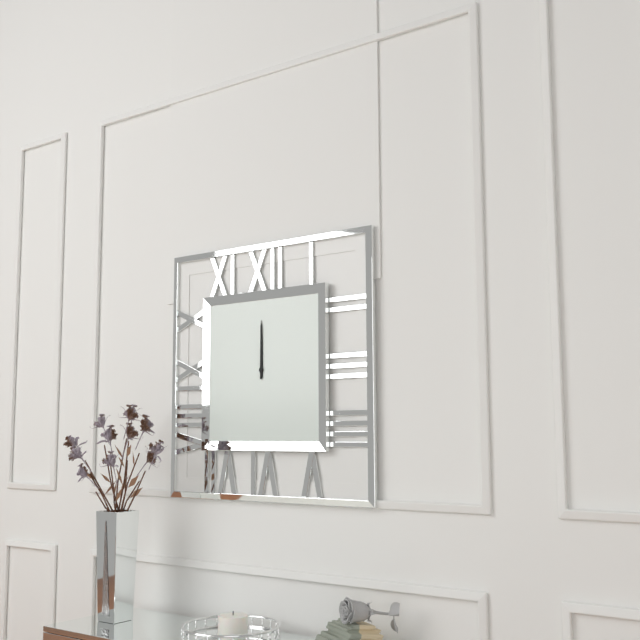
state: 12:00
